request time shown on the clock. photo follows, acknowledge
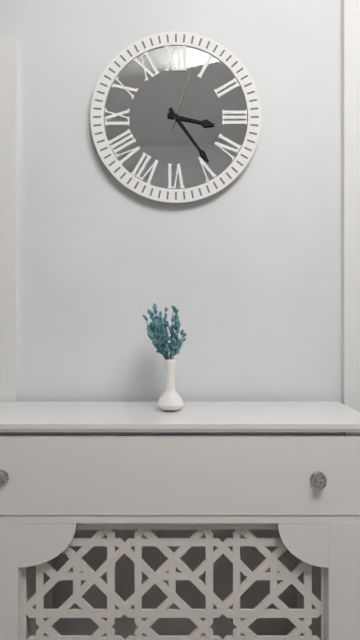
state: 3:24:03
